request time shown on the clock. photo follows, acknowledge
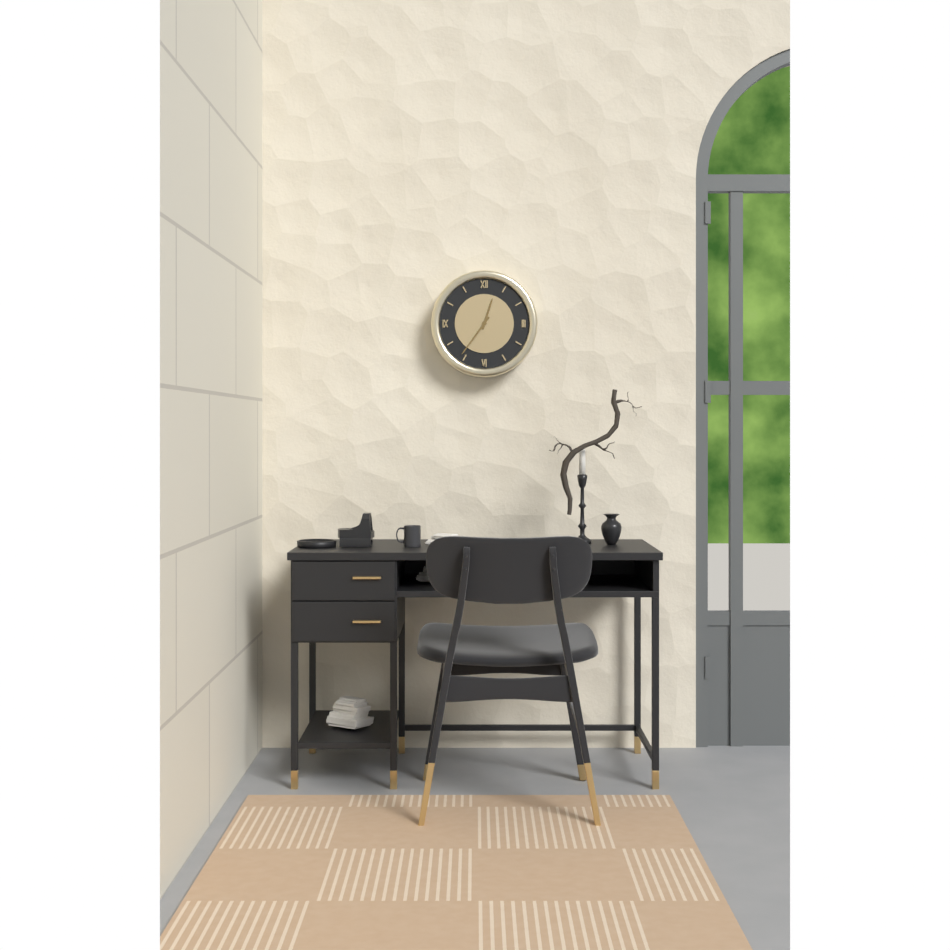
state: 12:36
